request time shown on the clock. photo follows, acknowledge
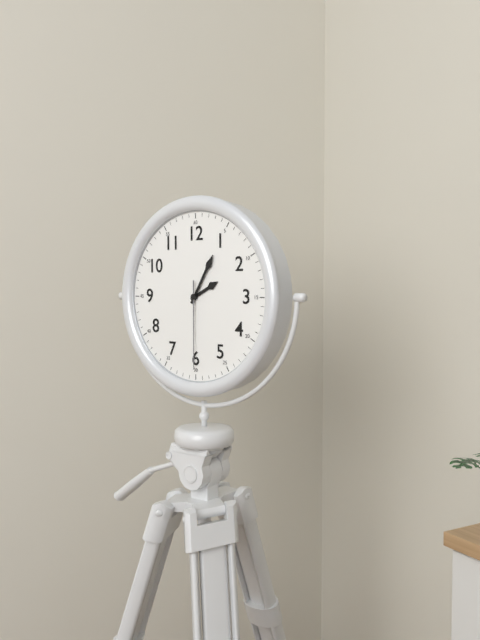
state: 2:05:30
